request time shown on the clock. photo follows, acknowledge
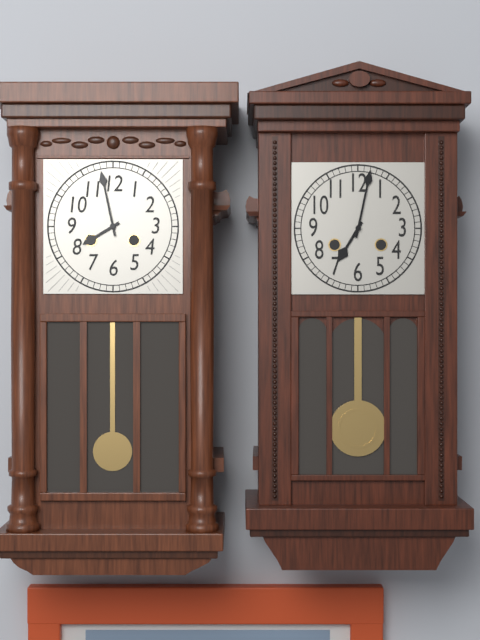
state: 7:58
